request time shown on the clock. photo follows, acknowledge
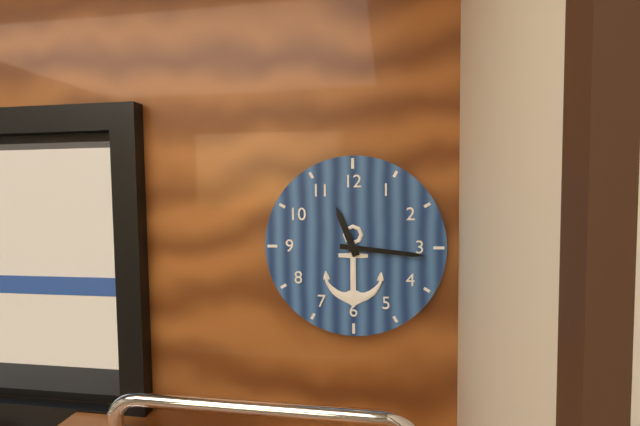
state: 11:16
